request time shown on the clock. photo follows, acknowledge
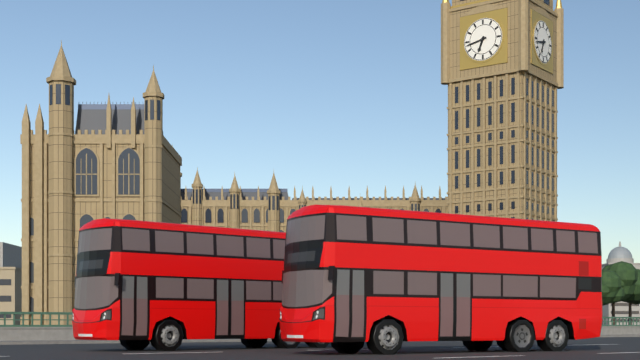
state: 6:43
